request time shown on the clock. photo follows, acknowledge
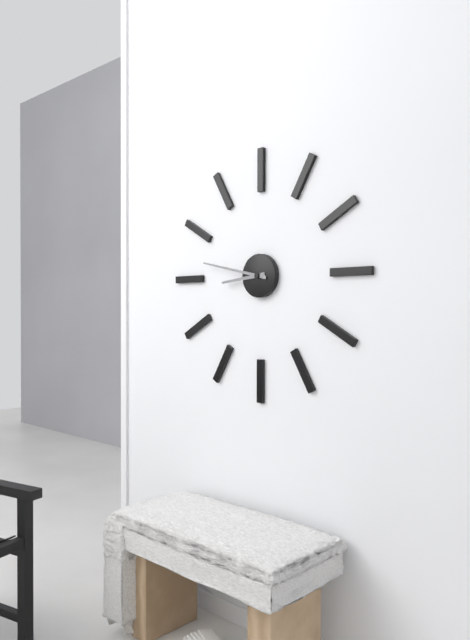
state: 8:47
